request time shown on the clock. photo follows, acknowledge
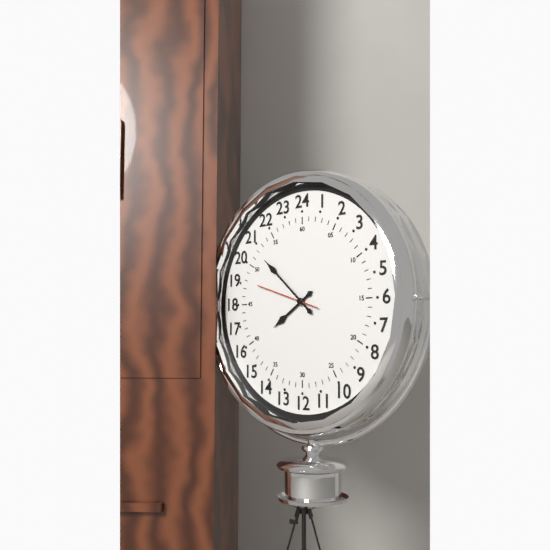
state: 7:52:48
